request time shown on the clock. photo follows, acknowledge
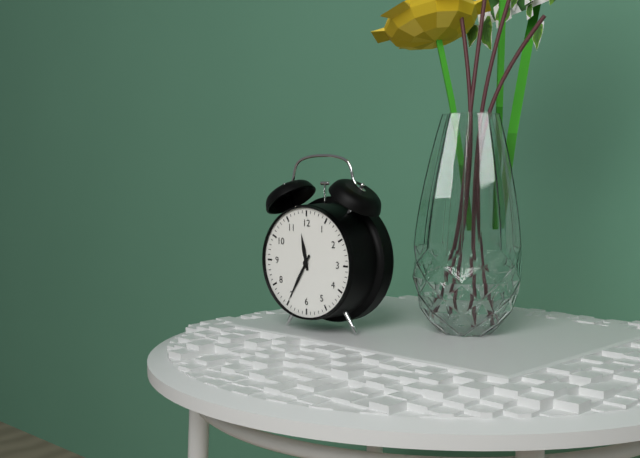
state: 11:35
